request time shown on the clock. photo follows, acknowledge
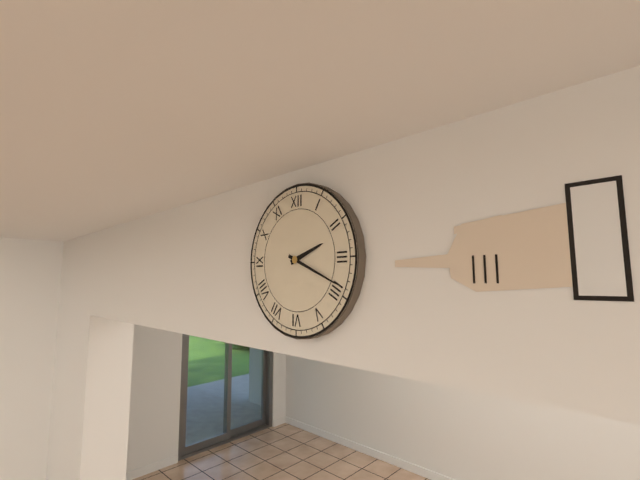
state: 2:19
